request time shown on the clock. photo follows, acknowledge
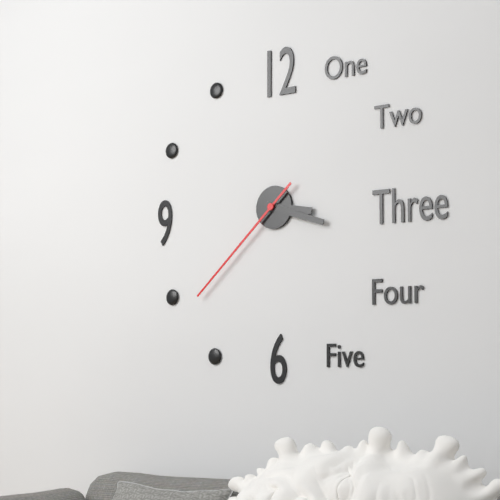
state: 3:18:38
